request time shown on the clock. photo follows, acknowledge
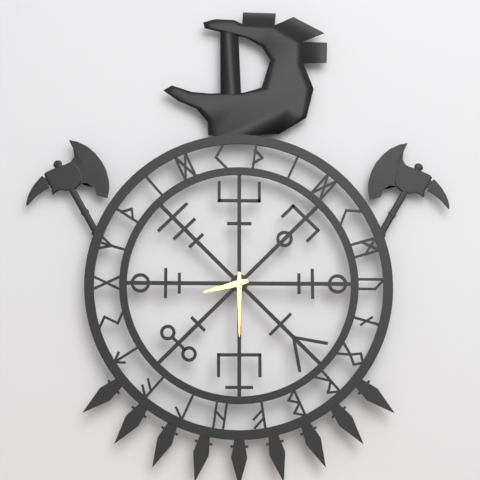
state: 8:30
